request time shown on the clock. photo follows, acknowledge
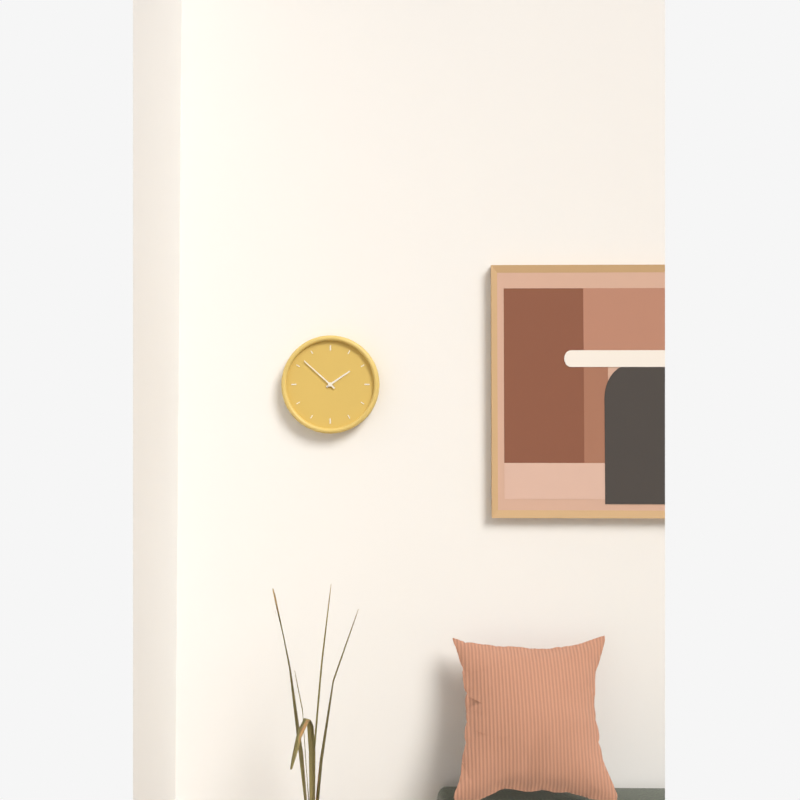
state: 1:52
